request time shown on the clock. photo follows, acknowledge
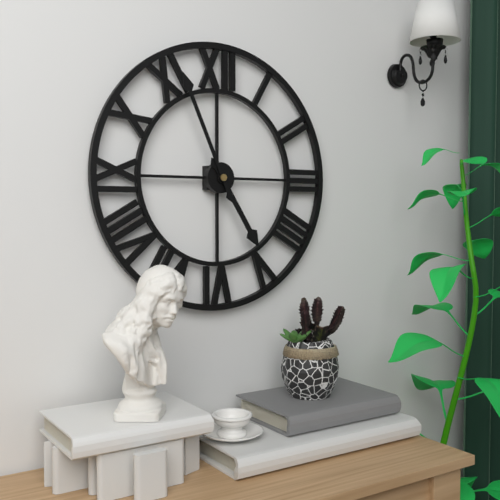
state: 4:56
